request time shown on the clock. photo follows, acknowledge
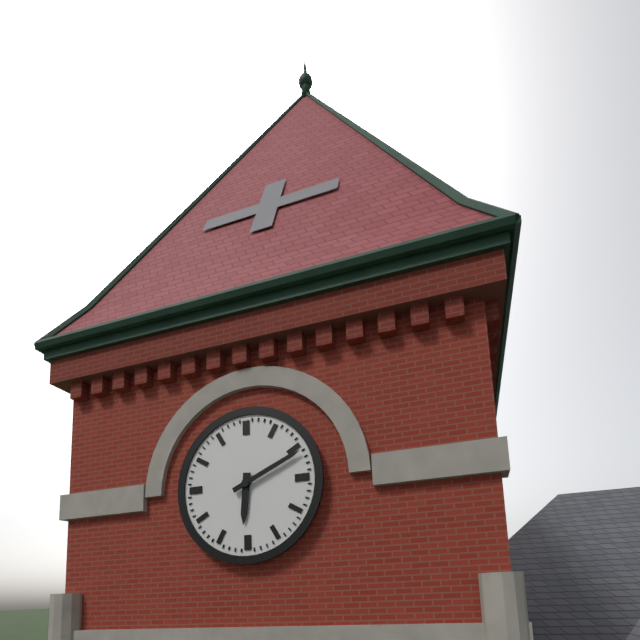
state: 6:11
